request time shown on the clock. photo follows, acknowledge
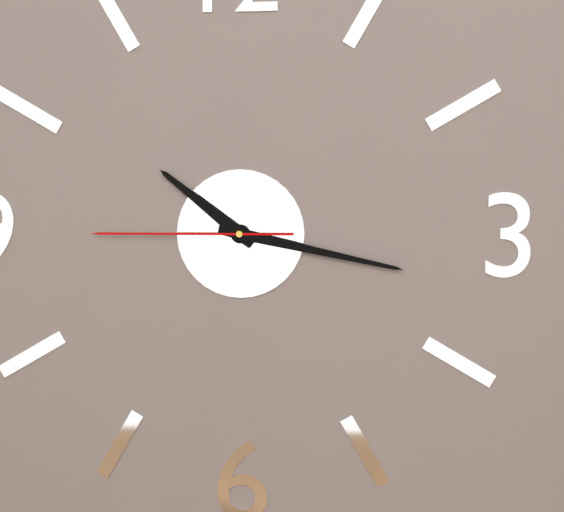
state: 10:17:45
